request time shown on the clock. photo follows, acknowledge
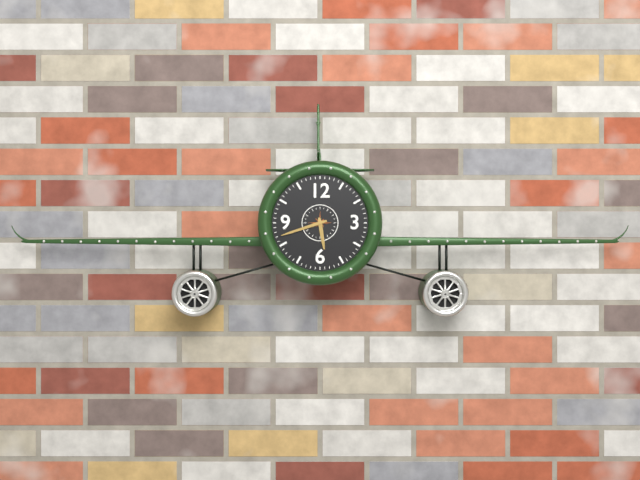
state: 5:42
